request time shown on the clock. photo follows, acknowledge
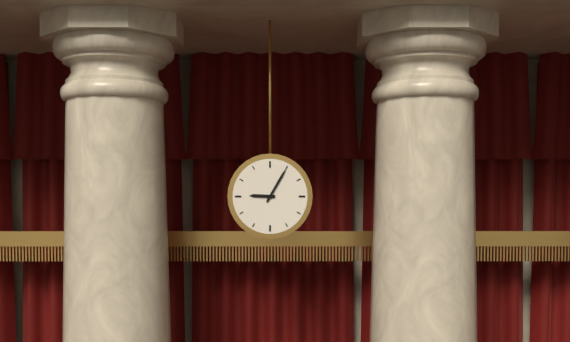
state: 9:05
